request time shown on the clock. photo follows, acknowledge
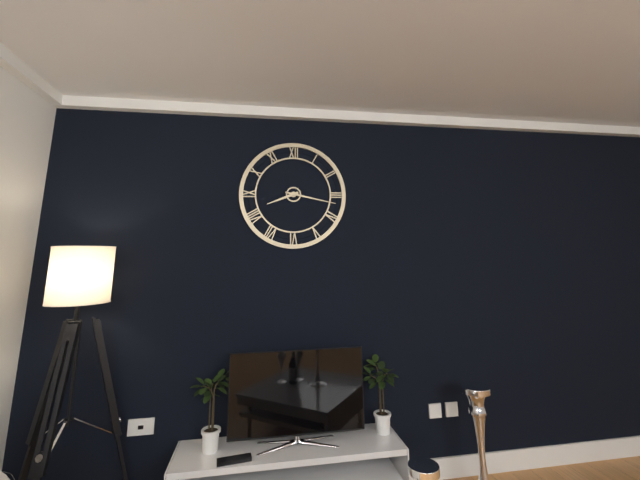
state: 8:17
